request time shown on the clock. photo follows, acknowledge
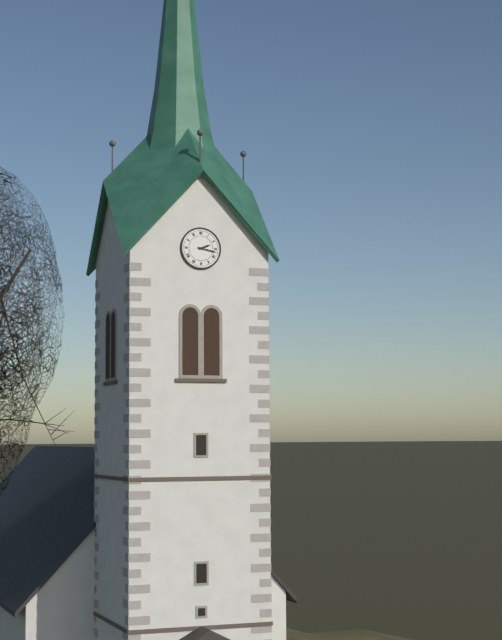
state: 2:17
